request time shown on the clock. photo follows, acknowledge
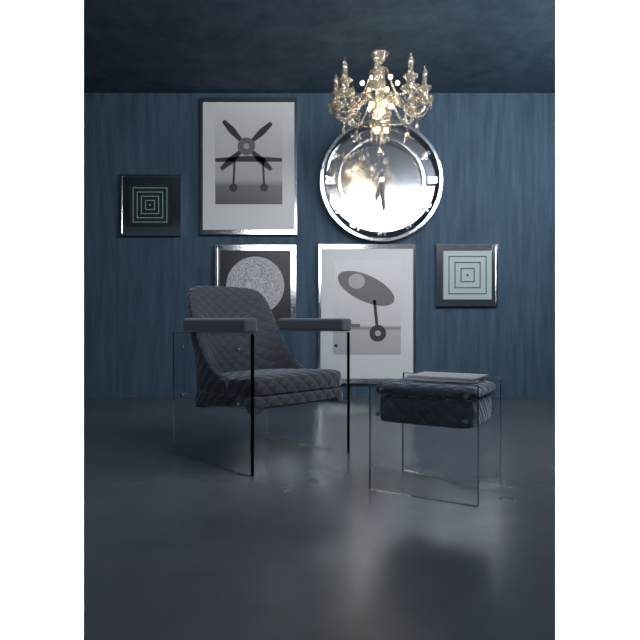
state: 6:29
